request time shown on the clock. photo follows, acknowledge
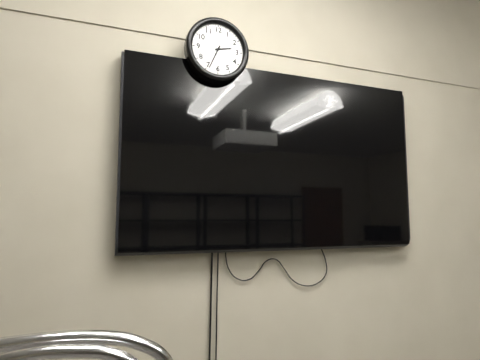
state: 2:34
